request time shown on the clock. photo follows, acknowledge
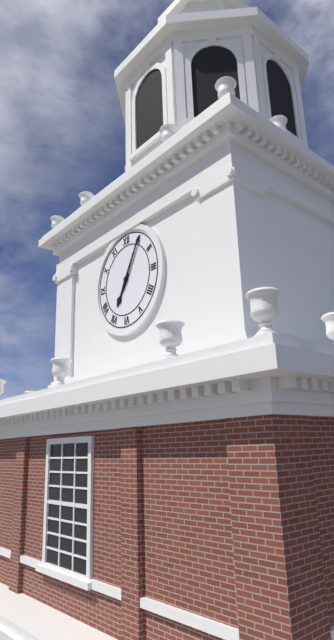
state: 7:05
